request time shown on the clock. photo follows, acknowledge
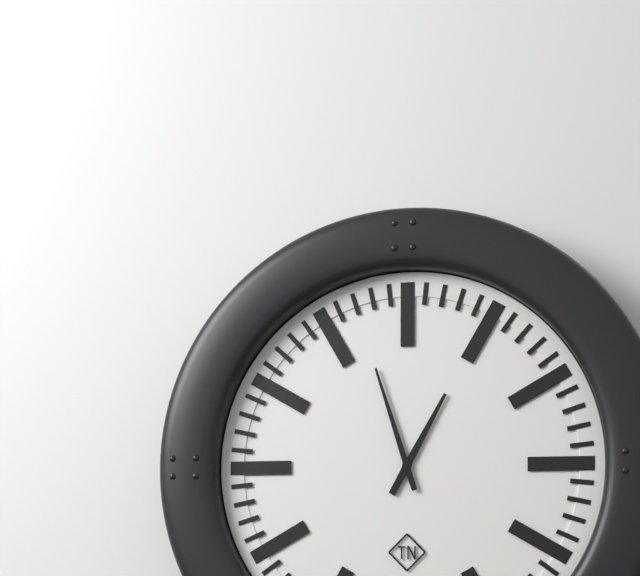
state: 12:57
